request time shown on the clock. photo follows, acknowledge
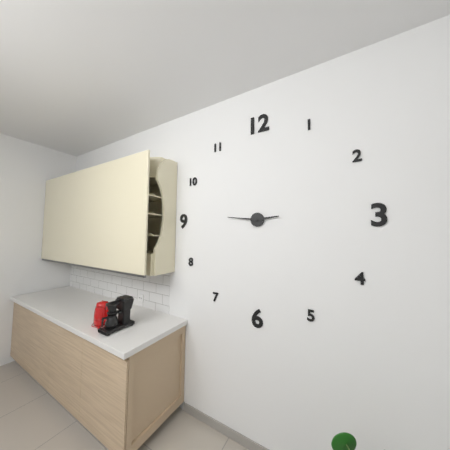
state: 2:46
